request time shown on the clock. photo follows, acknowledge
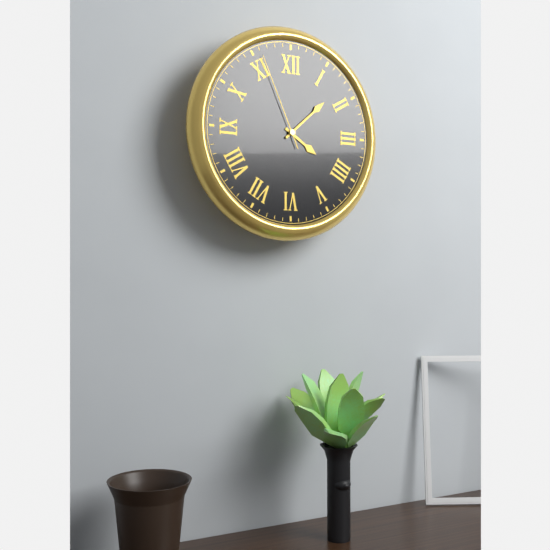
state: 4:08:56
